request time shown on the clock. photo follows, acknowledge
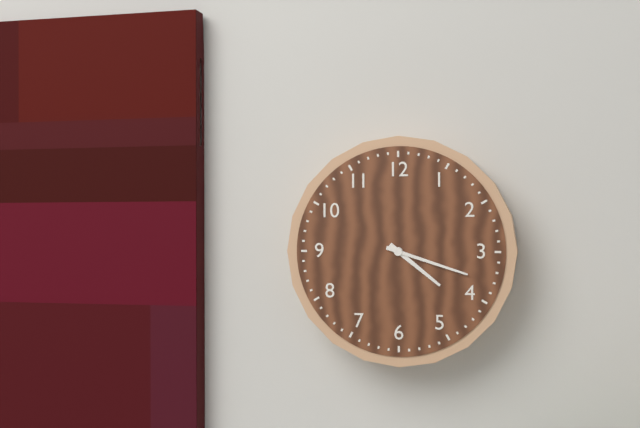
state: 4:18
